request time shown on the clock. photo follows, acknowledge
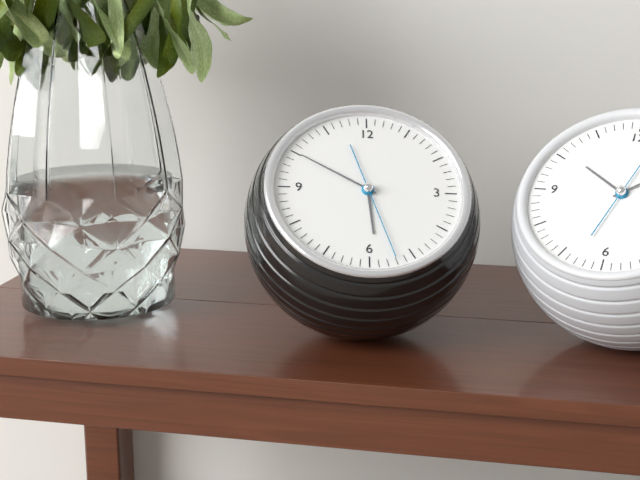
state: 5:50:27
